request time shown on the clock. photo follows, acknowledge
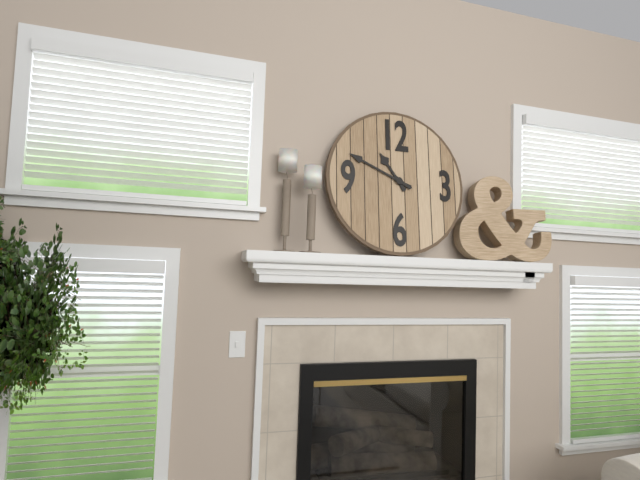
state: 10:49
